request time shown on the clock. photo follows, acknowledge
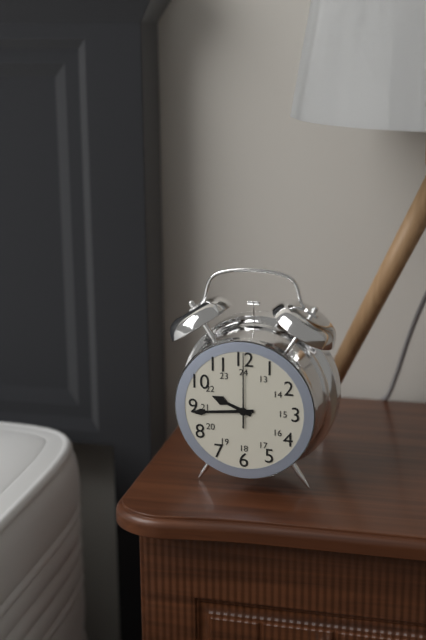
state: 9:44:00
